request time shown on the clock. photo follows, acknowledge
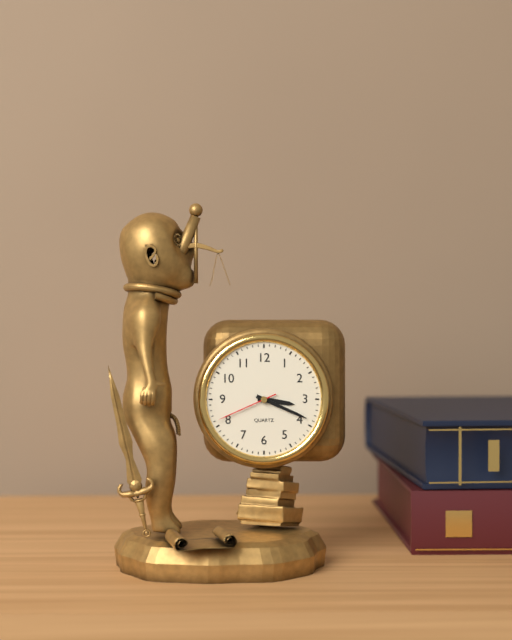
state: 3:19:41
